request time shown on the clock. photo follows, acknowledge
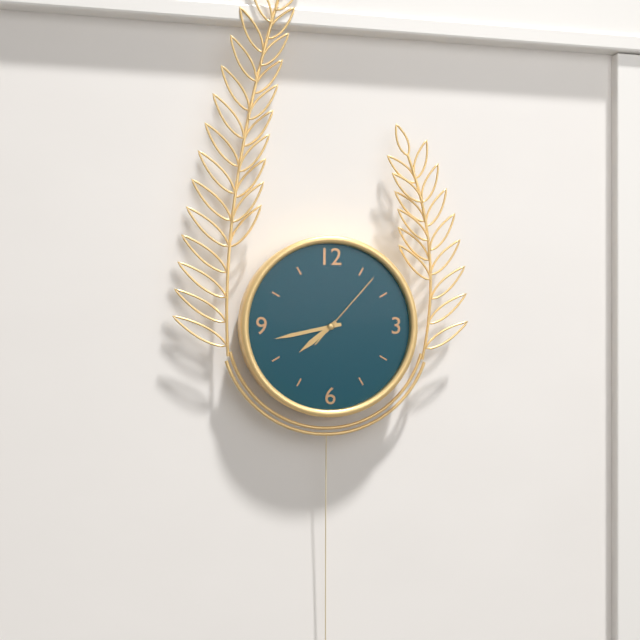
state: 7:43:07
